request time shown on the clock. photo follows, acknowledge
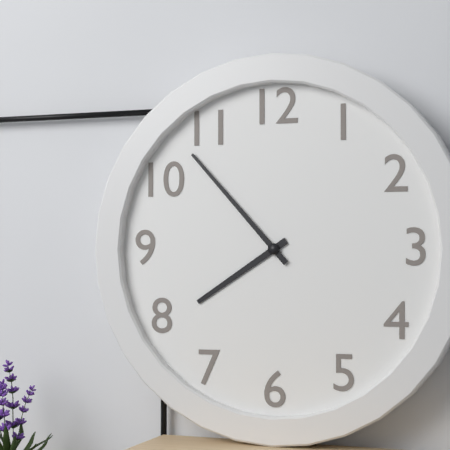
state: 7:53
